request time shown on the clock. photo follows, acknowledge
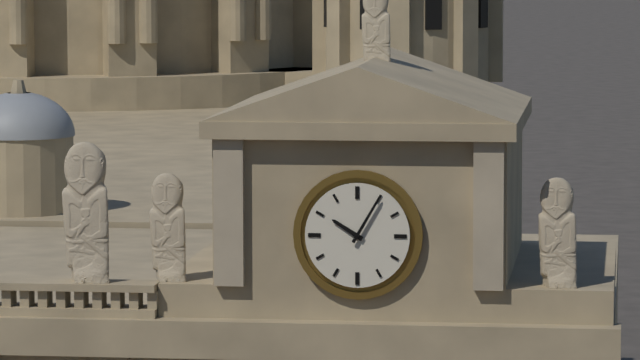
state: 10:05
